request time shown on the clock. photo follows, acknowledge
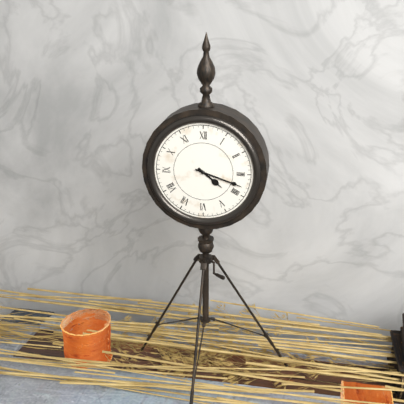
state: 4:18
